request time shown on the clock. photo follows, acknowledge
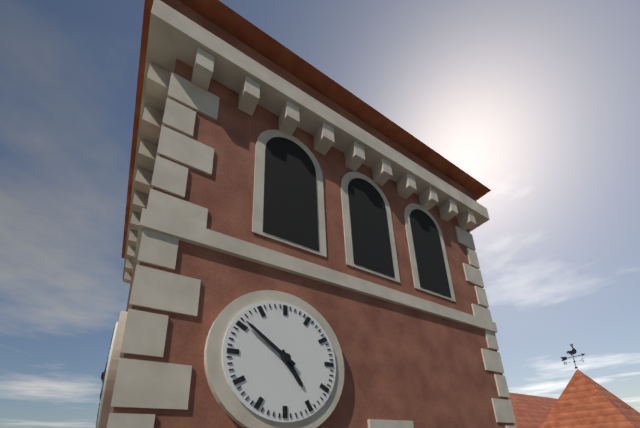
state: 4:51
